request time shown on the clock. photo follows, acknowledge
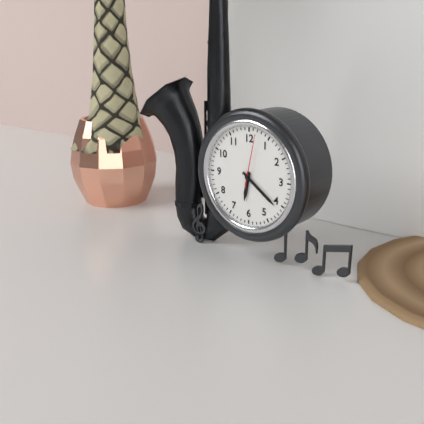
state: 6:21:02
